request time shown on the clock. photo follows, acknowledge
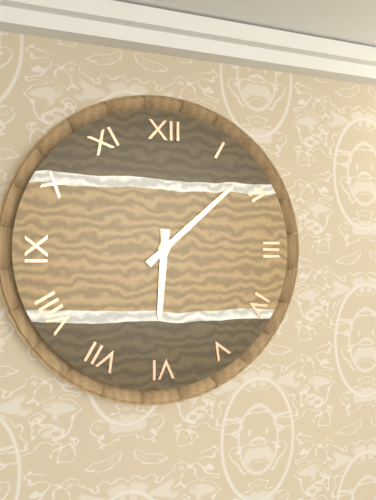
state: 6:08
